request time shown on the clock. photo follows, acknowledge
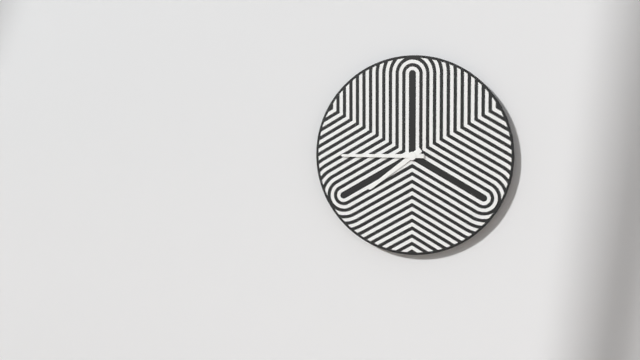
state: 7:45
